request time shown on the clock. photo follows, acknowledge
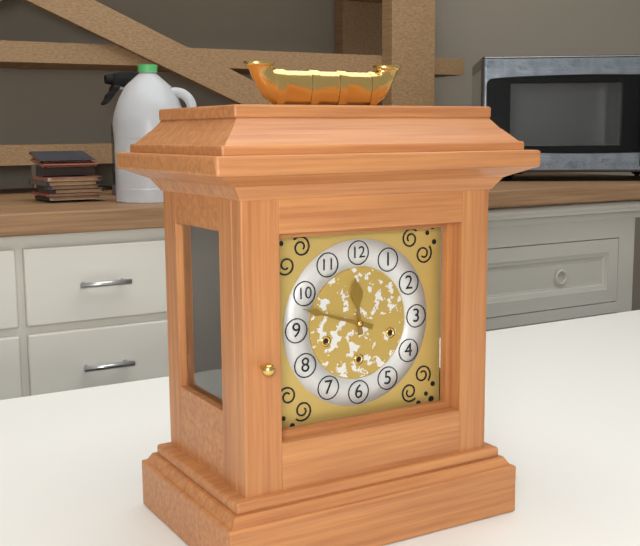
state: 11:48
